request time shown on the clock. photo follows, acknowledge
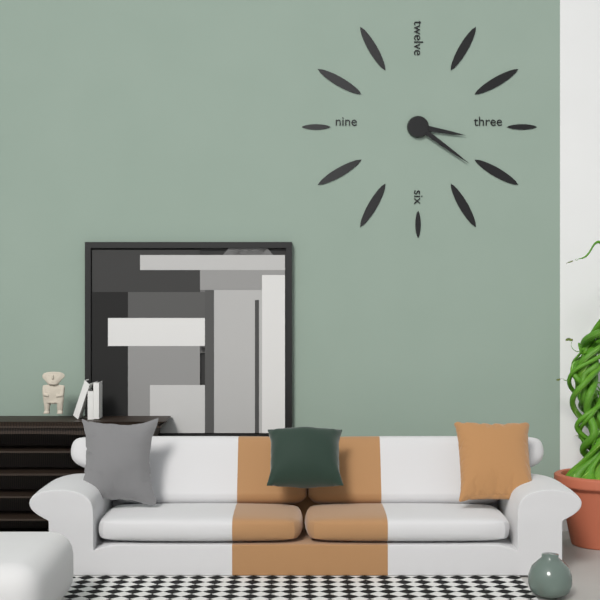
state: 3:21
